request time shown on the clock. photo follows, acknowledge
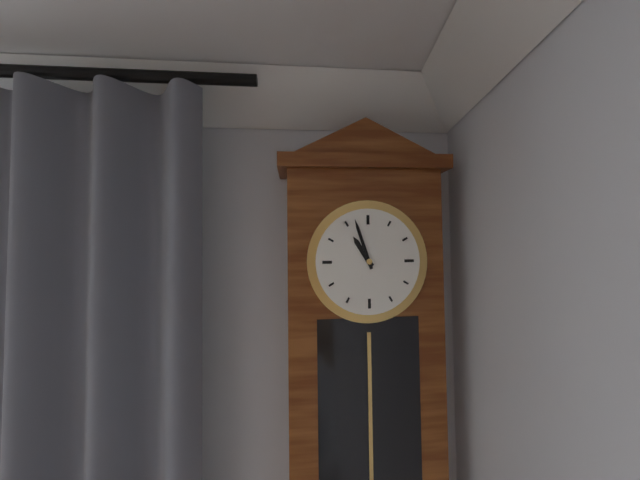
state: 10:57
